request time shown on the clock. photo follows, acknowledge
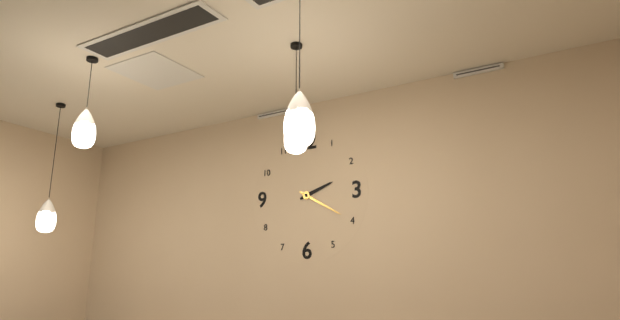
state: 2:20
